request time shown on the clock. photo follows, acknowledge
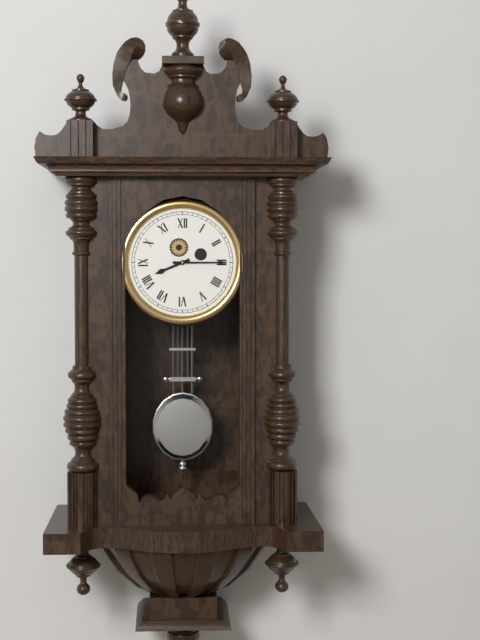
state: 8:15
